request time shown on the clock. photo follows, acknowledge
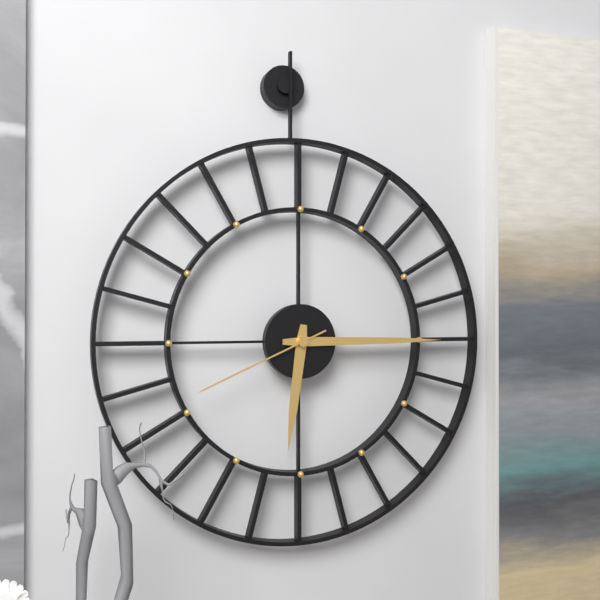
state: 6:15:41
